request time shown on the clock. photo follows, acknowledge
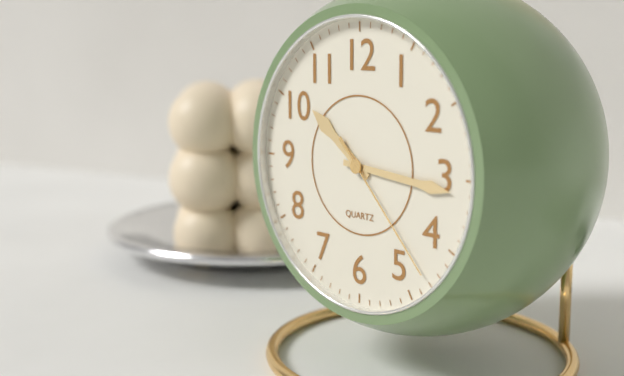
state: 10:16:23
